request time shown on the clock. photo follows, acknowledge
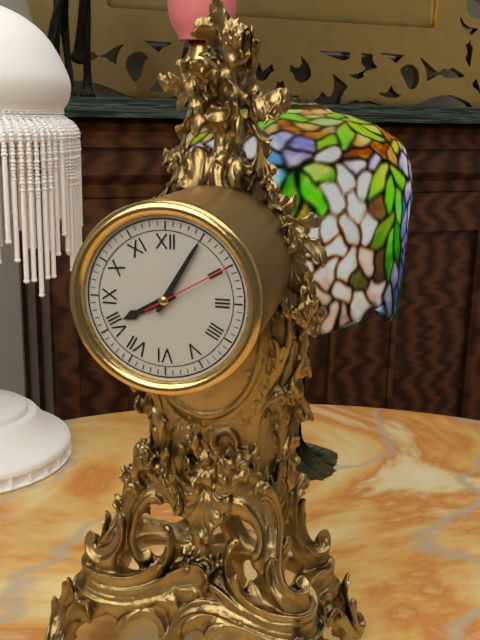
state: 8:05:10
